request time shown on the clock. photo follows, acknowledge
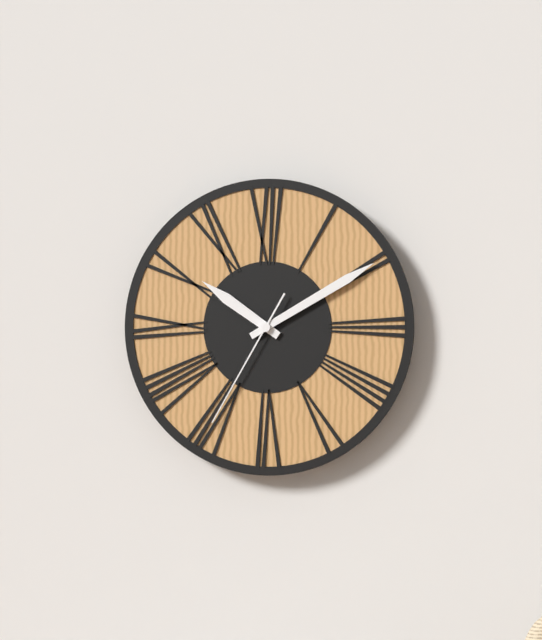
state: 10:10:35
